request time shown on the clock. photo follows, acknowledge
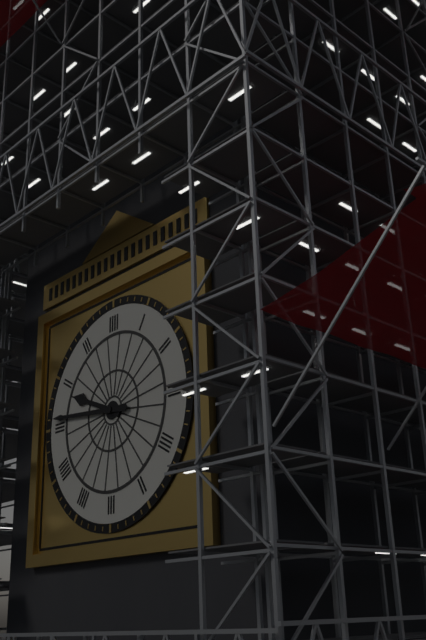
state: 9:46
